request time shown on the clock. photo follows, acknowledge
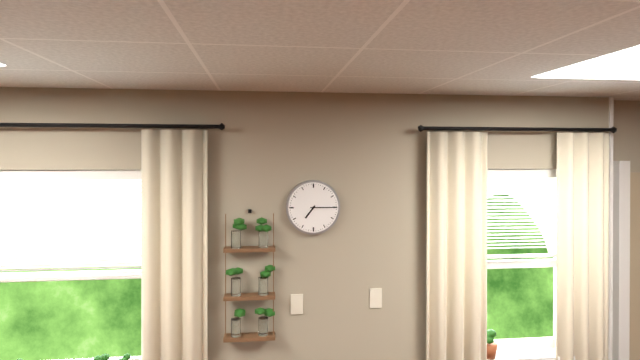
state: 7:15
